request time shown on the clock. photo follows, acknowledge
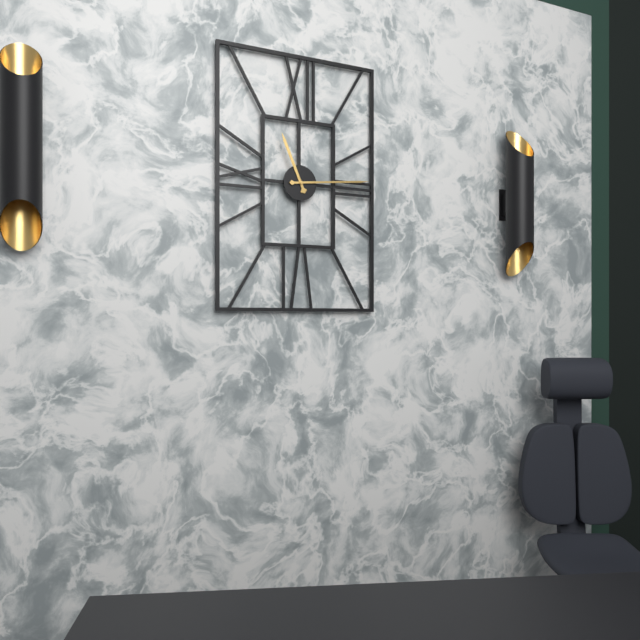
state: 11:14
